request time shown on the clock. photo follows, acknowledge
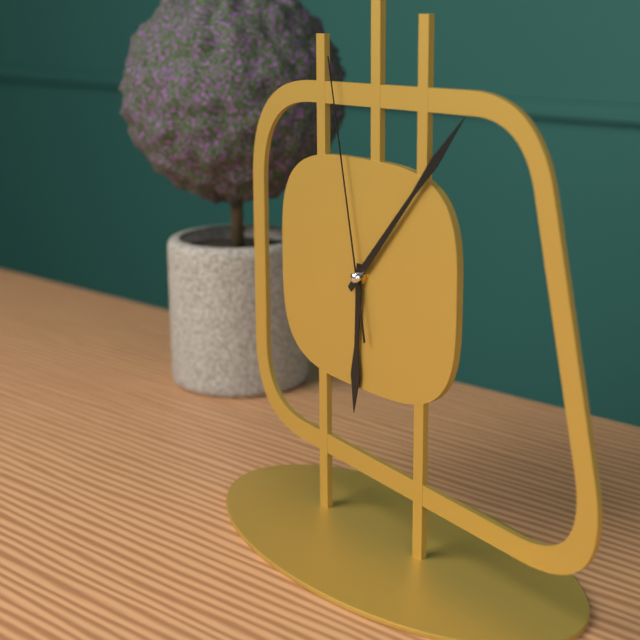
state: 6:07:58
